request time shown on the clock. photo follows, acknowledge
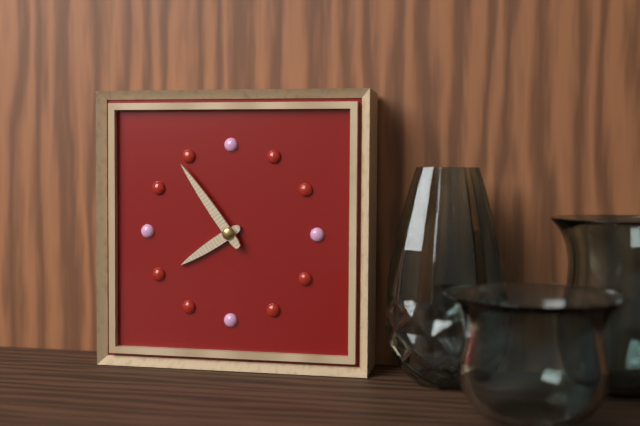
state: 7:54
